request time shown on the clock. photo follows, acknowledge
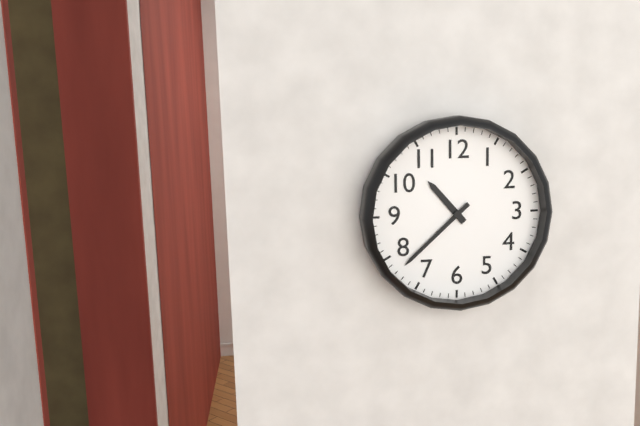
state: 10:38
